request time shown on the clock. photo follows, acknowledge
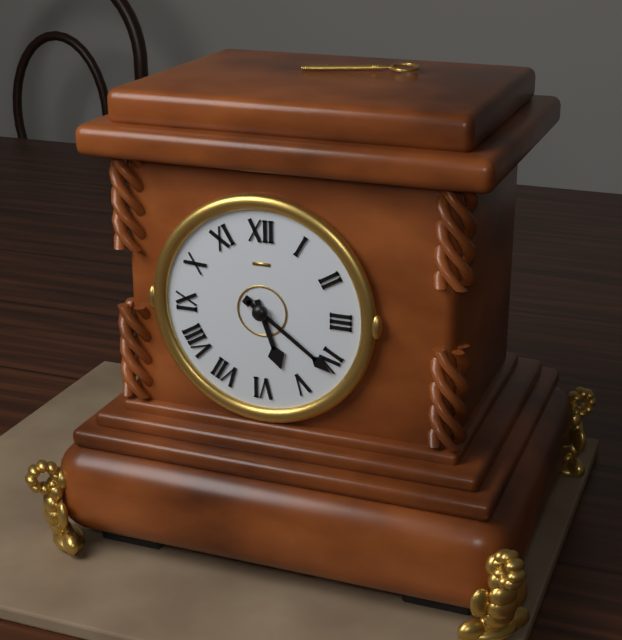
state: 5:21
